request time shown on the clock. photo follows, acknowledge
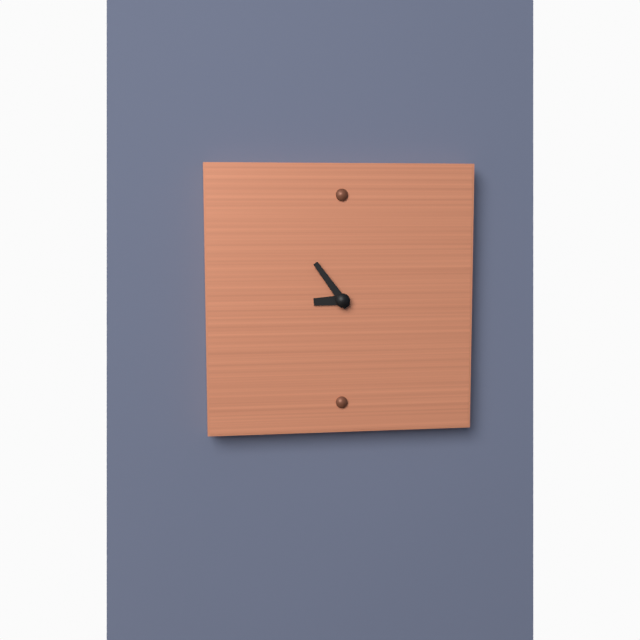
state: 8:54
